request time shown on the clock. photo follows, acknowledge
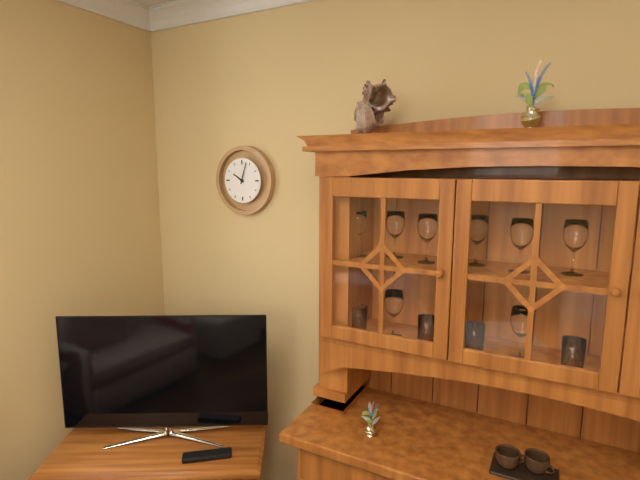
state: 10:03
